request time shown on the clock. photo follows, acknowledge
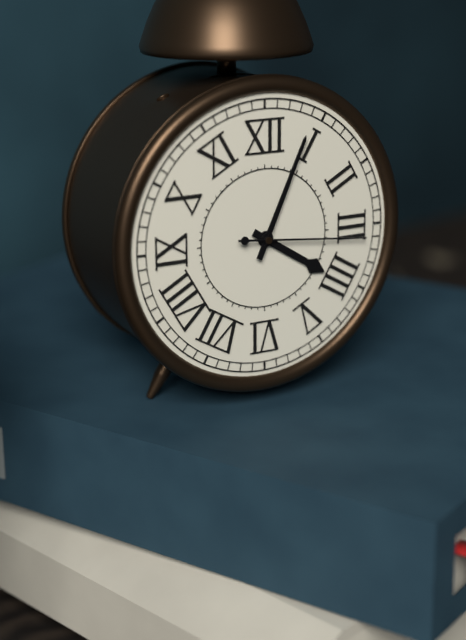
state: 4:04:16
